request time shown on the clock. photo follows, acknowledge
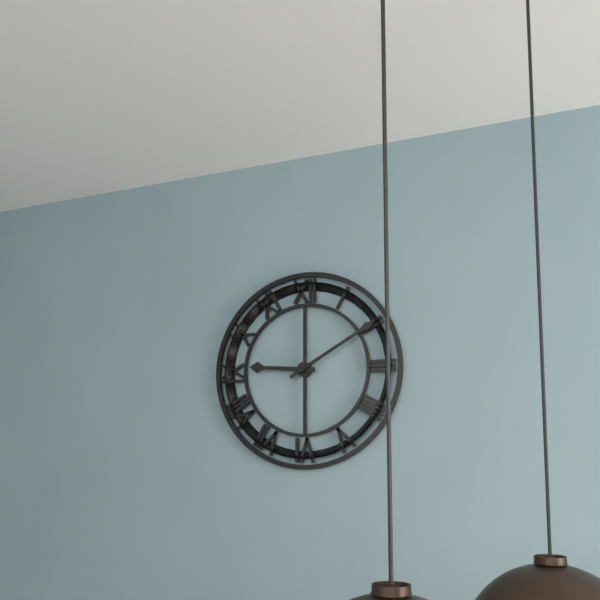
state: 9:10
